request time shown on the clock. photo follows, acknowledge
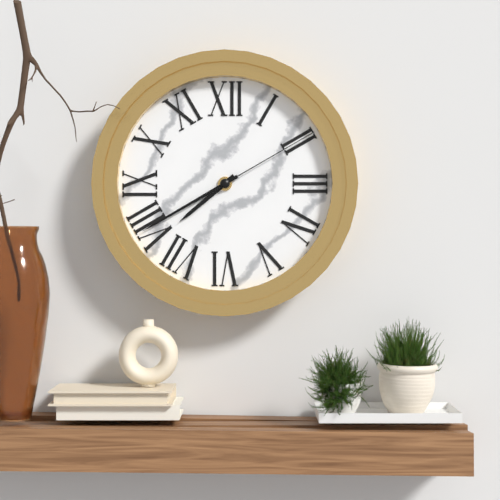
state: 7:40:10
